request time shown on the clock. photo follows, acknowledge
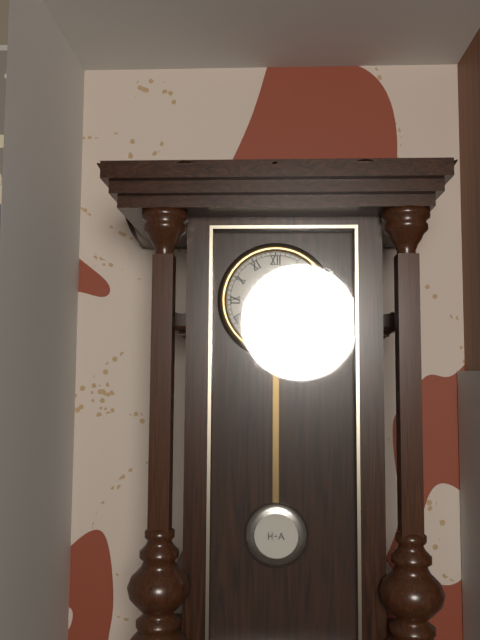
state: 1:08
